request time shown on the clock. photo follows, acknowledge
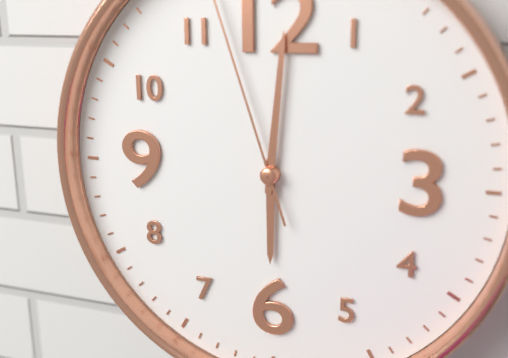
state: 6:01
